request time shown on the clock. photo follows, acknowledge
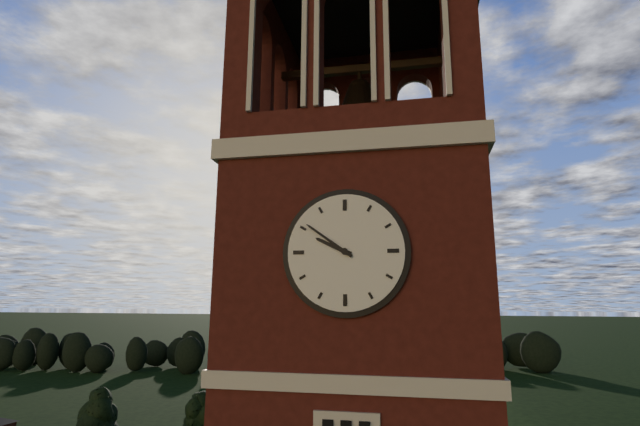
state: 9:51
